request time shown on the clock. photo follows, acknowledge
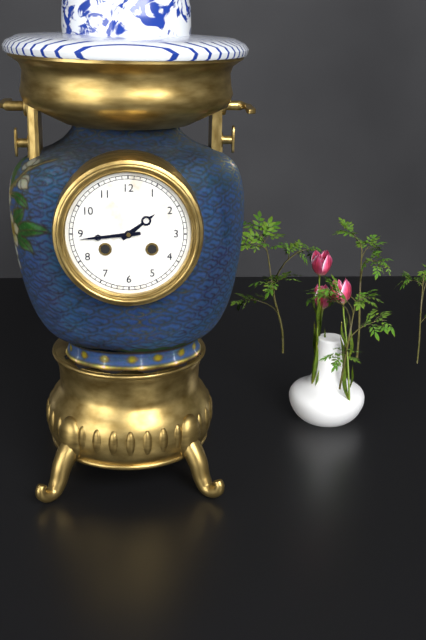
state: 1:44
